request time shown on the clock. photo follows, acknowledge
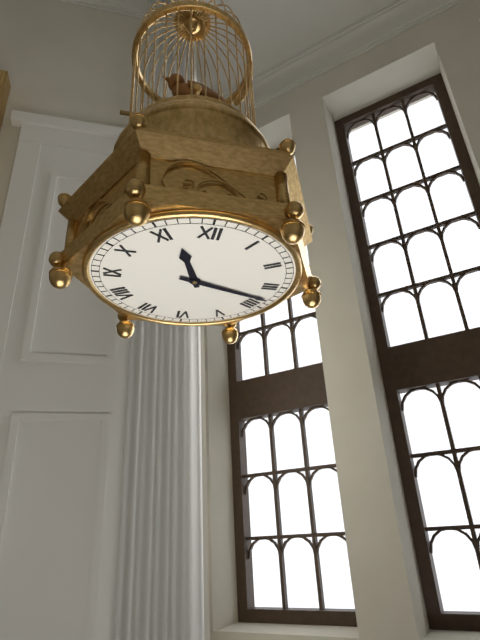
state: 11:18
